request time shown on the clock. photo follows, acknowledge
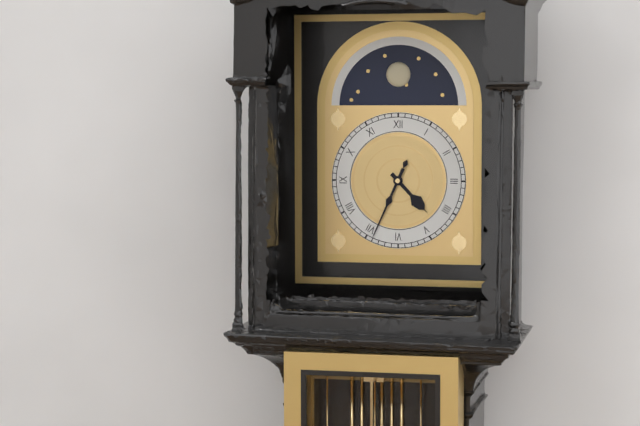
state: 4:34
